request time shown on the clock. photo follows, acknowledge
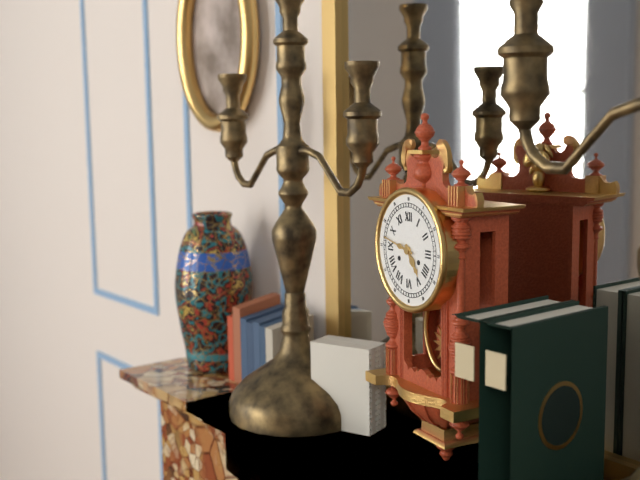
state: 4:47
